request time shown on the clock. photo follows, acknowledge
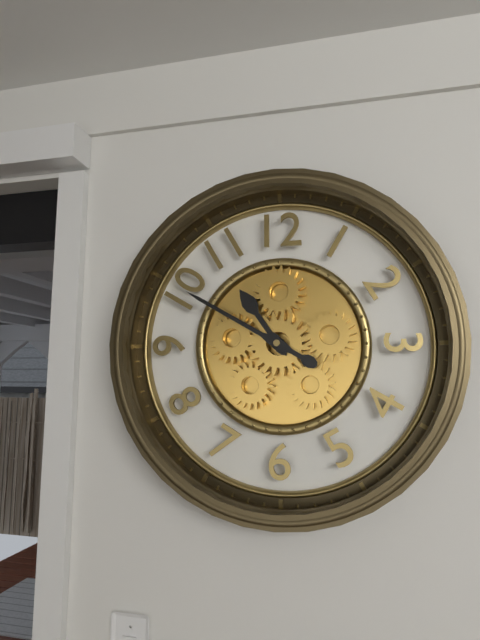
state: 10:50
